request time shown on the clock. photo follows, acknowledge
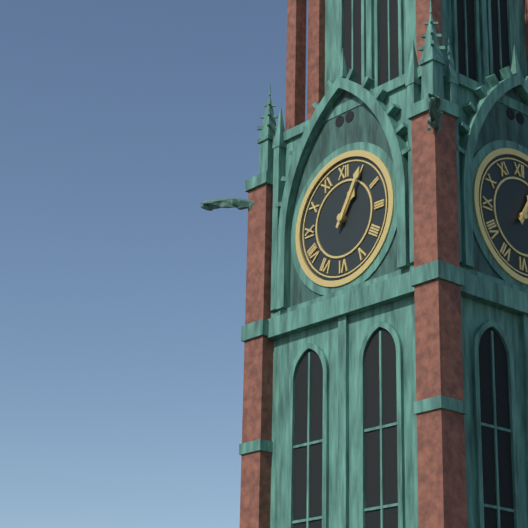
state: 1:05
